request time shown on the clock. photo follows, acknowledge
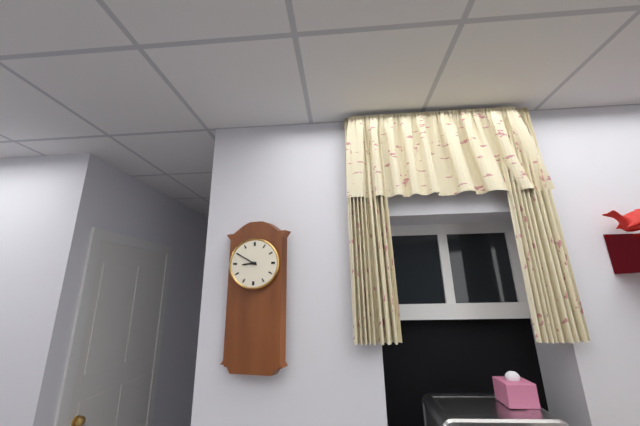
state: 8:50
